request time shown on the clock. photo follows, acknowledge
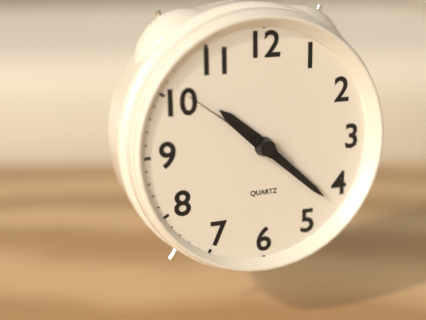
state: 10:22:51
